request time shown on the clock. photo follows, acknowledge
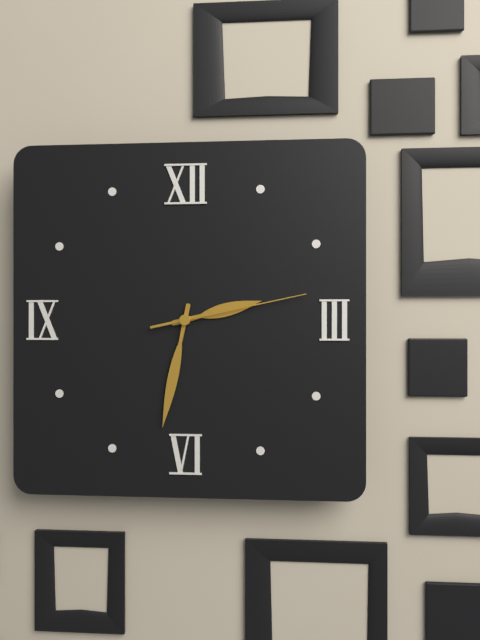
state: 2:32:13
